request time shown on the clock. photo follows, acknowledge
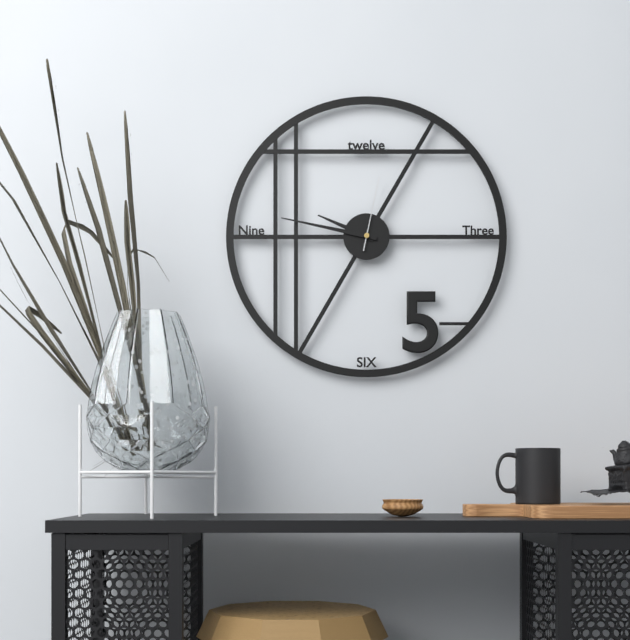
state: 9:47:02
